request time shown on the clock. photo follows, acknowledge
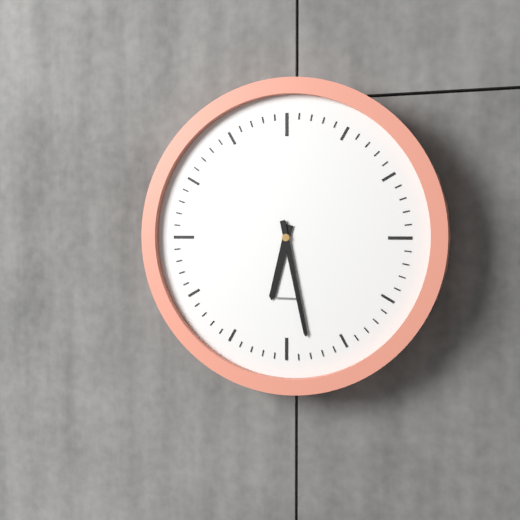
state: 6:28
